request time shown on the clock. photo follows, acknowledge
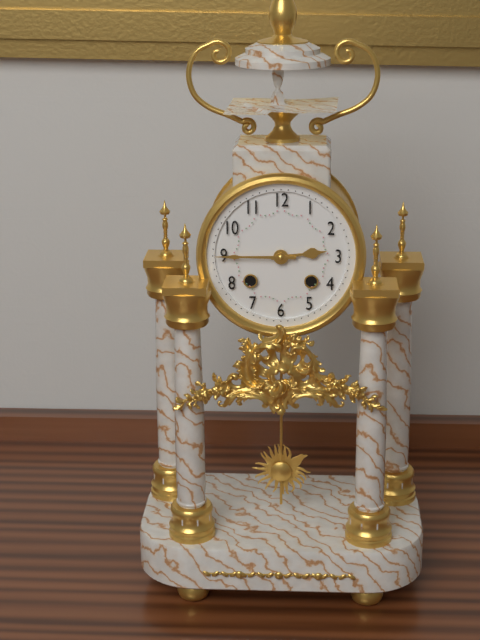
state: 2:45
